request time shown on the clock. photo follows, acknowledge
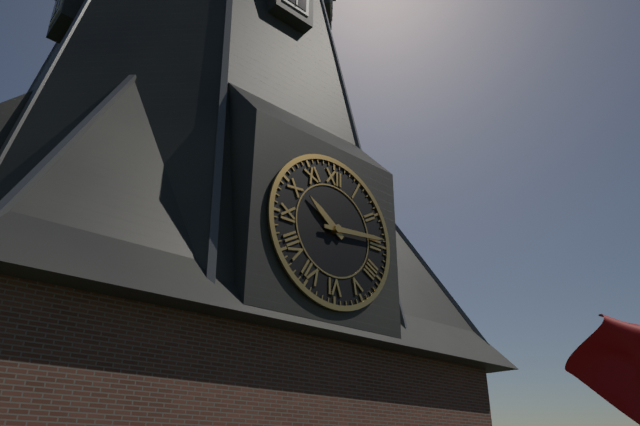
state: 10:14
